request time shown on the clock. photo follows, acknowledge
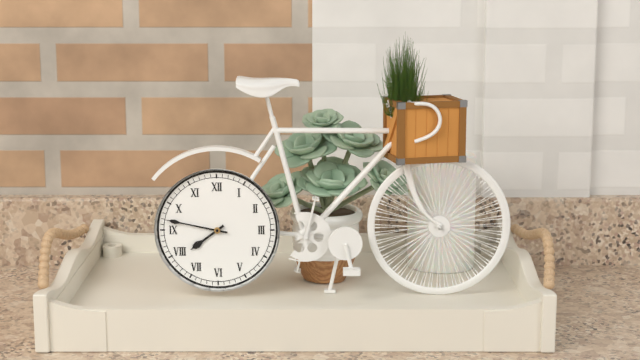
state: 7:47
